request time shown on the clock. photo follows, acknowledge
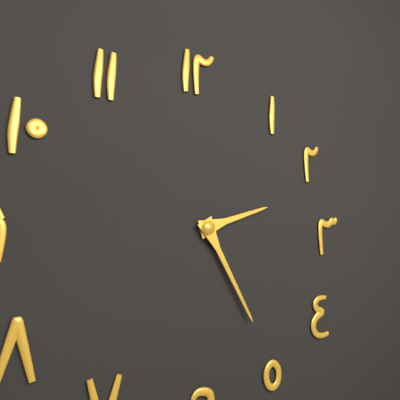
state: 2:25
